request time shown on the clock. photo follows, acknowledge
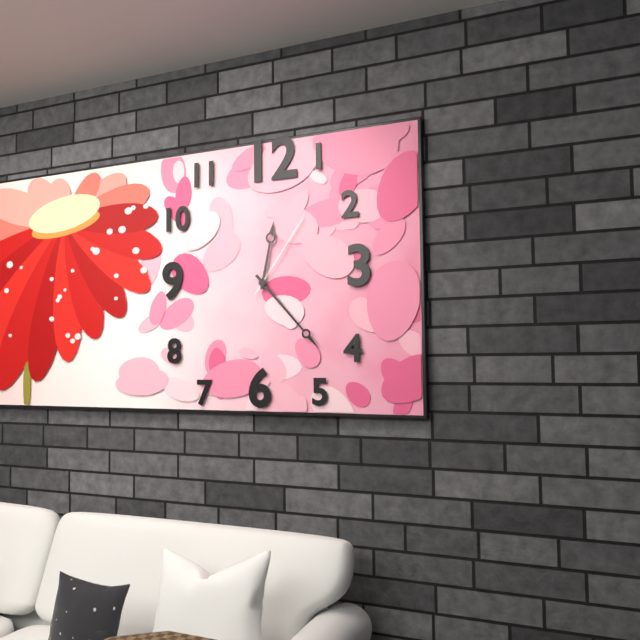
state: 12:23:06
